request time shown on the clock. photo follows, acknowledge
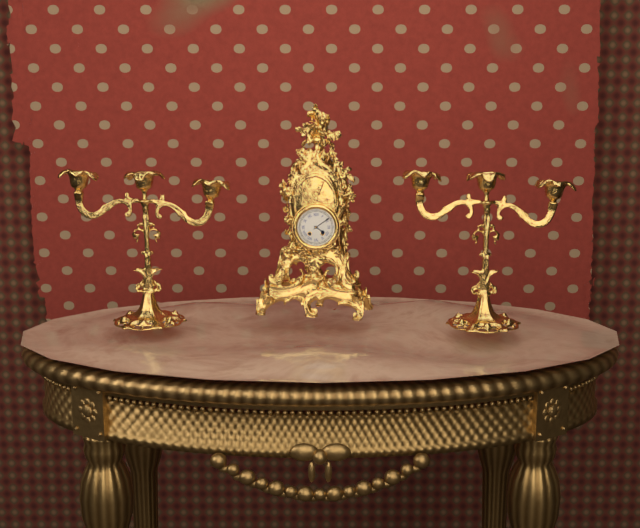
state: 4:09
